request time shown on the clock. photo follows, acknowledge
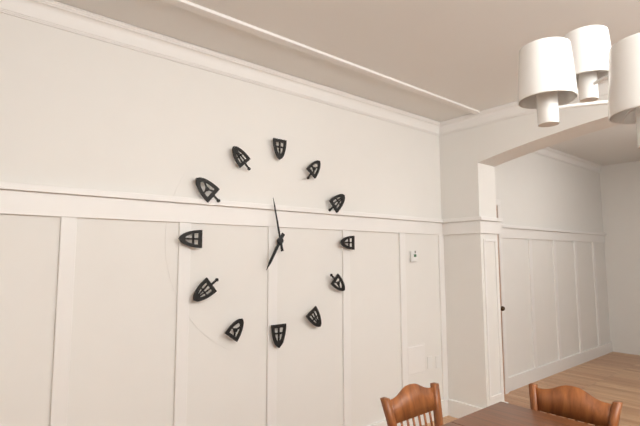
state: 6:58
